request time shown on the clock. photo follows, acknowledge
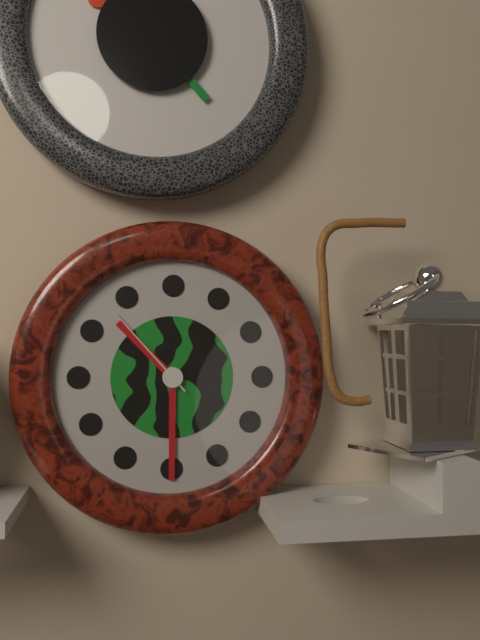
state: 10:30:53
